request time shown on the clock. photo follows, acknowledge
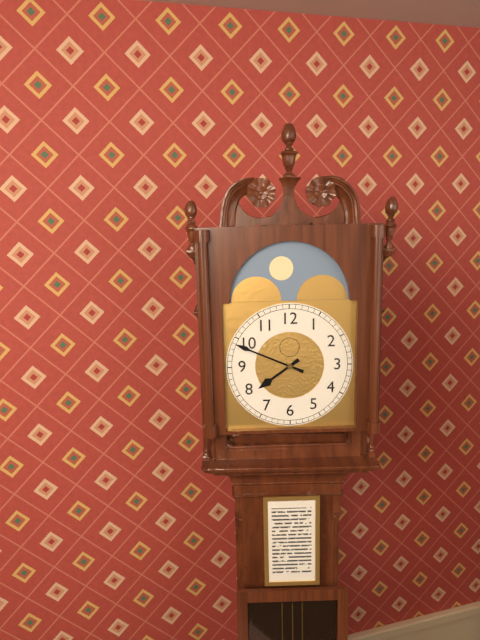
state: 7:49
